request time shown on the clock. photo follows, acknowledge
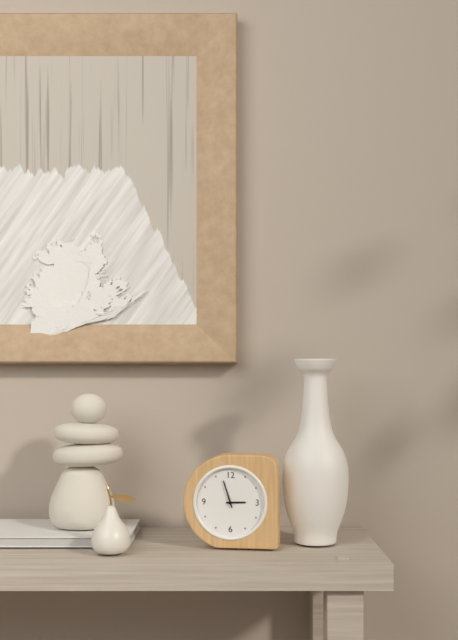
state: 2:57
